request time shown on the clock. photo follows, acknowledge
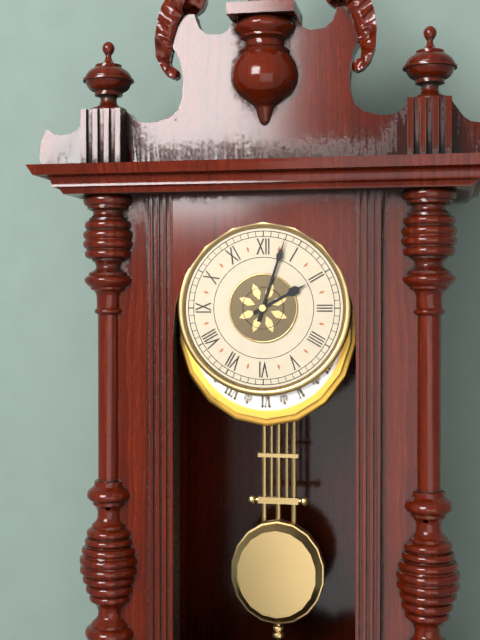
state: 2:03
